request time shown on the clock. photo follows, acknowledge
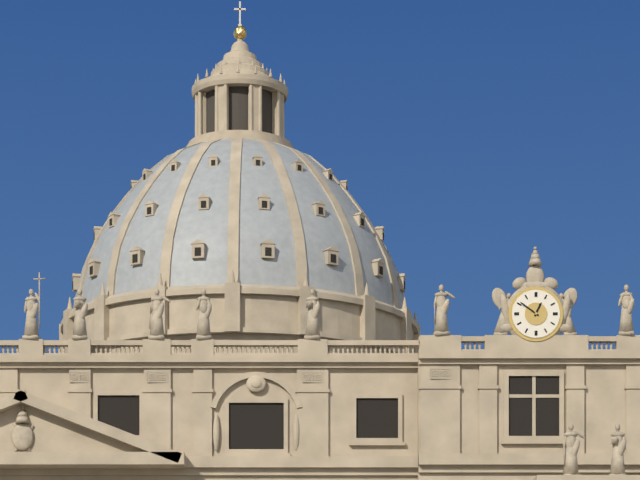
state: 12:51
